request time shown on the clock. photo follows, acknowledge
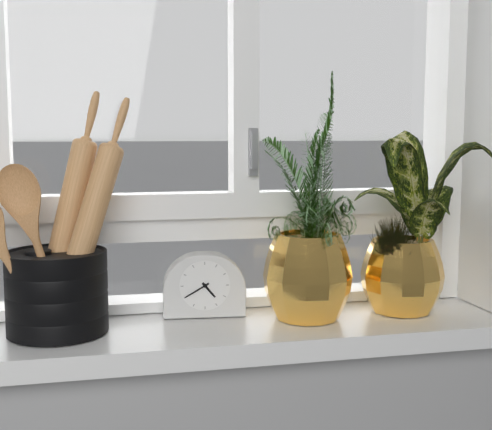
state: 4:40
